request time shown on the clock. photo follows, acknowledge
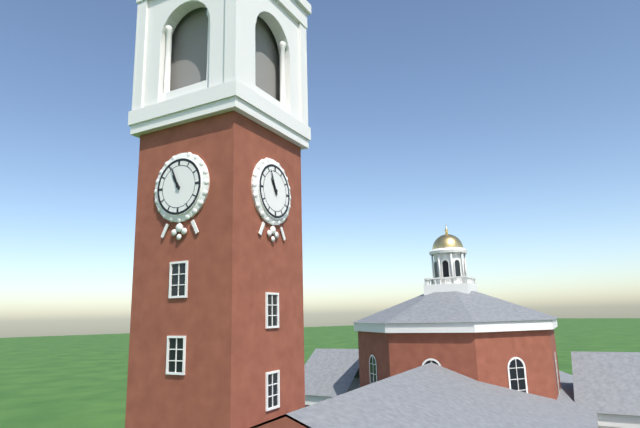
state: 10:56
